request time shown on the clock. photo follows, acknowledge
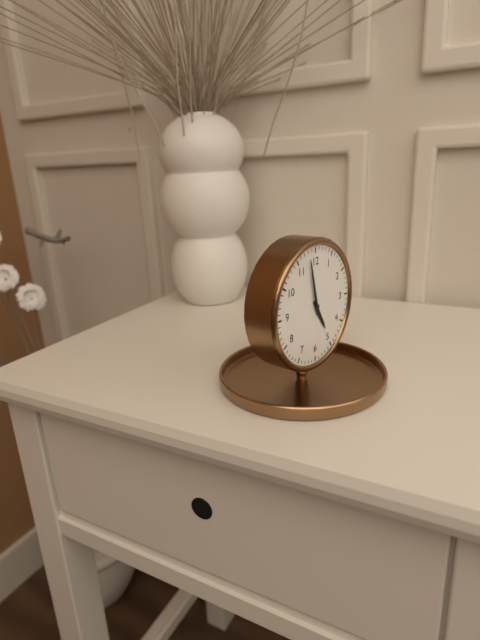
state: 4:58
